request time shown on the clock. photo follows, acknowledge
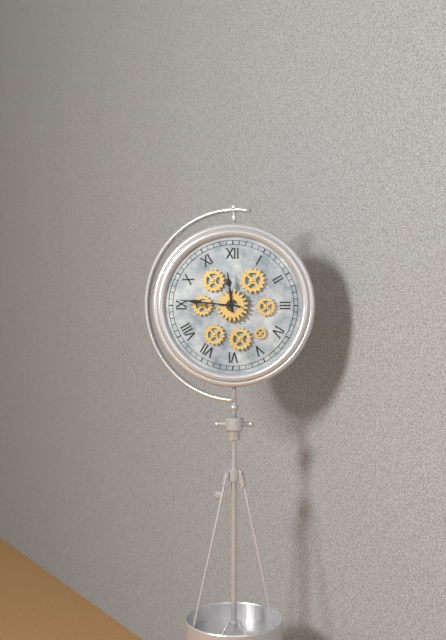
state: 11:46
